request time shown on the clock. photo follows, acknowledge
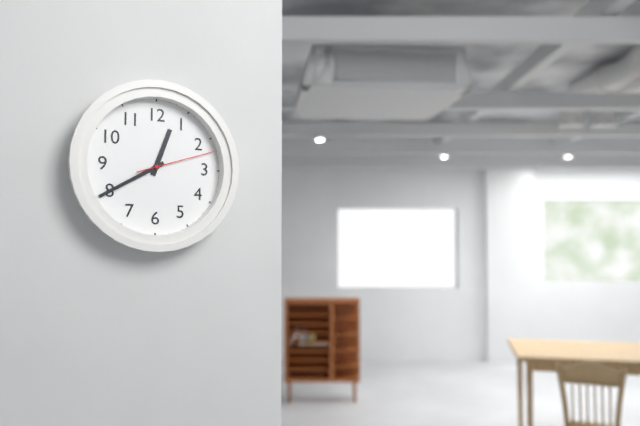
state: 12:40:12
